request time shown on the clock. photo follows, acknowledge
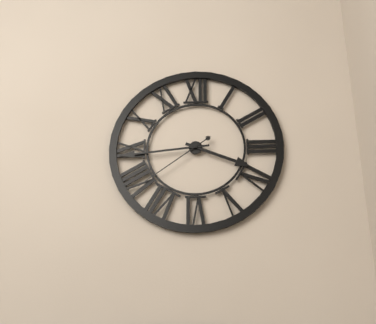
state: 3:44:39
